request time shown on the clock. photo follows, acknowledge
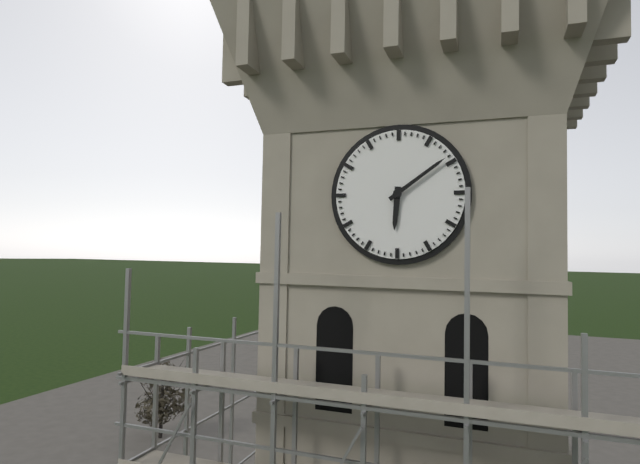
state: 6:09
